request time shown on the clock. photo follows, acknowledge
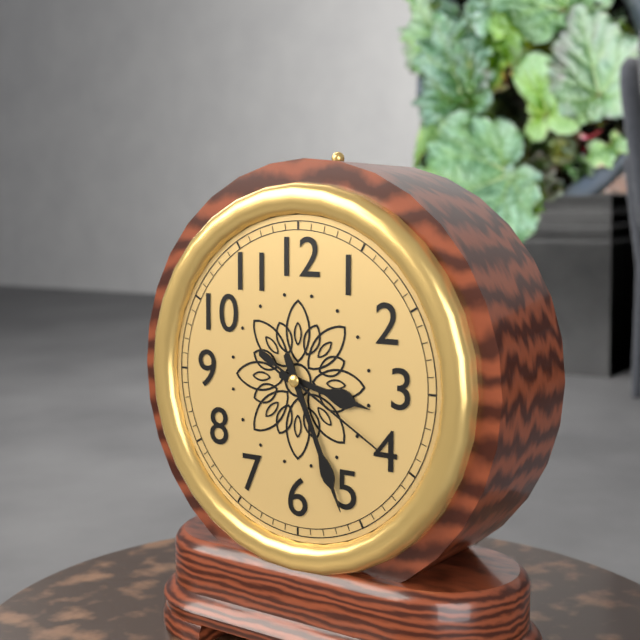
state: 3:26:20
